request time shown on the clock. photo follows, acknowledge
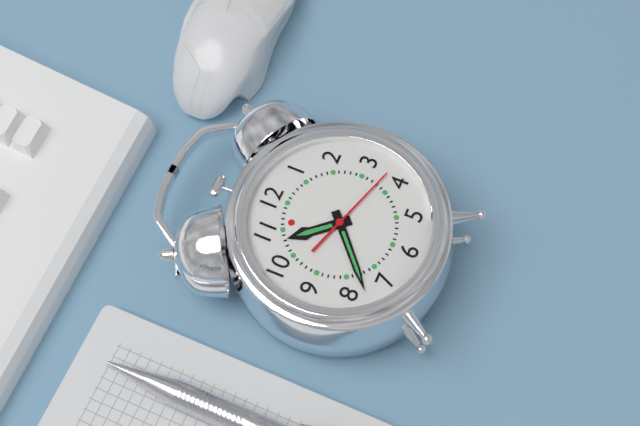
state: 10:38:18
